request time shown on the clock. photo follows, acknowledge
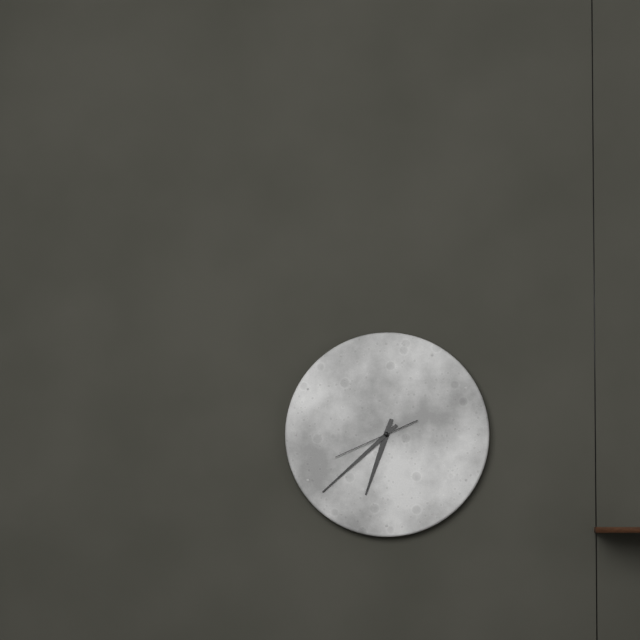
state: 6:38:41
